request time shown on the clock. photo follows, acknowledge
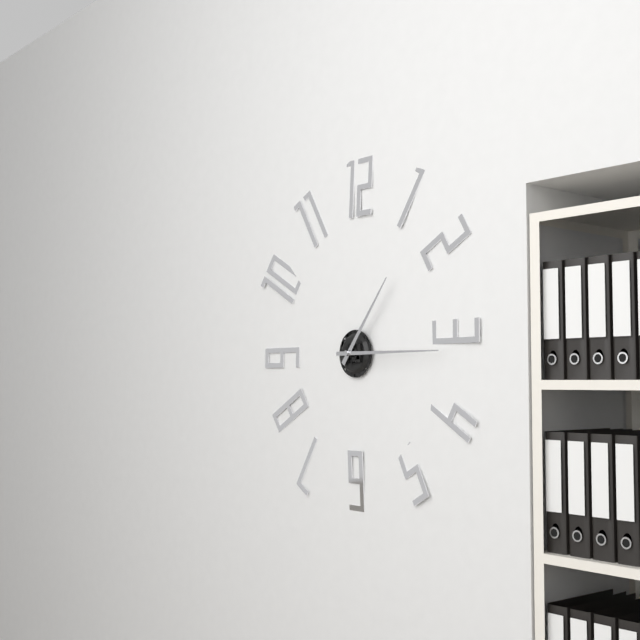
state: 1:15
